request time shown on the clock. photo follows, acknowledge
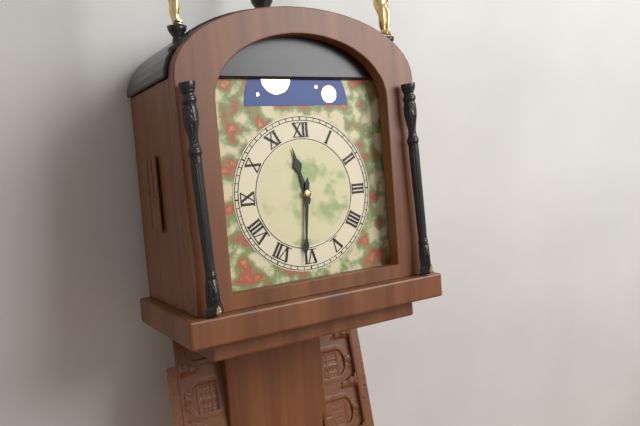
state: 11:31
